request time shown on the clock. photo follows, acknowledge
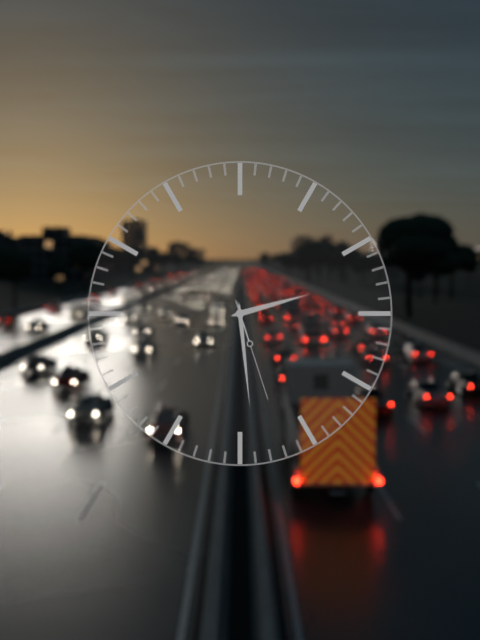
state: 2:29:27
